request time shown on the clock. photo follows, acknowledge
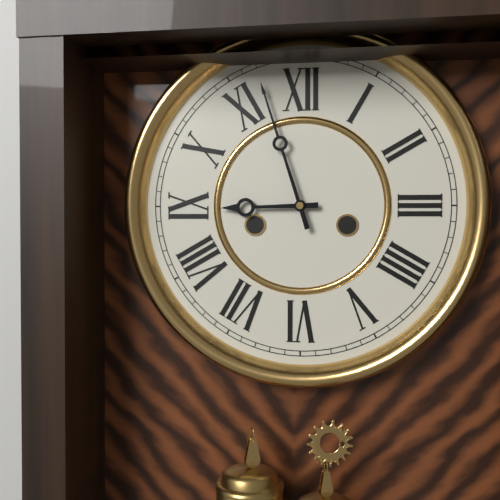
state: 8:57
